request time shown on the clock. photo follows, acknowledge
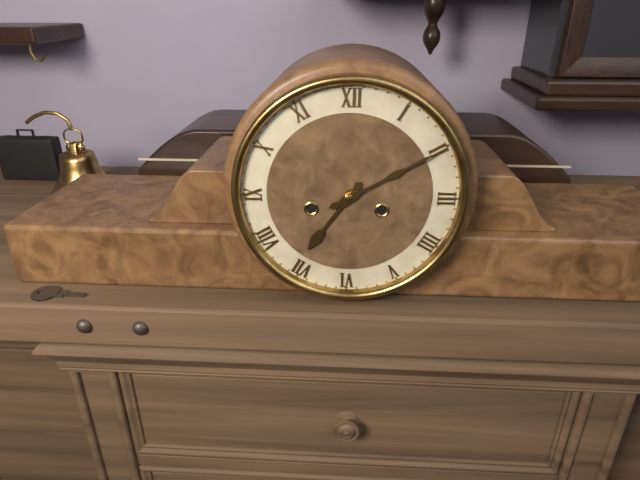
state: 7:10
